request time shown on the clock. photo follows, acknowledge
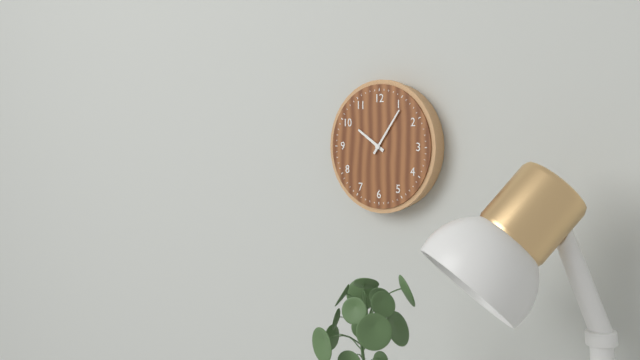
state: 10:06
